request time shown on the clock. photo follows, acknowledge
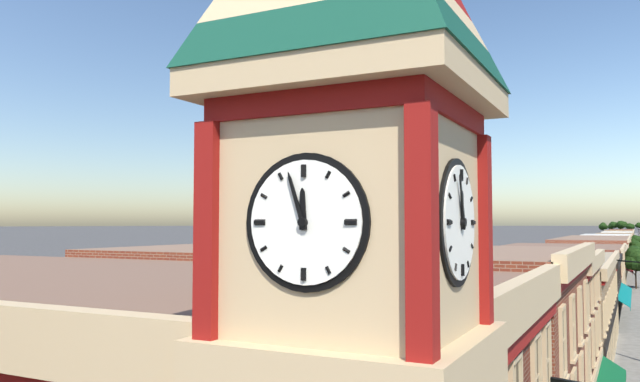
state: 11:57
